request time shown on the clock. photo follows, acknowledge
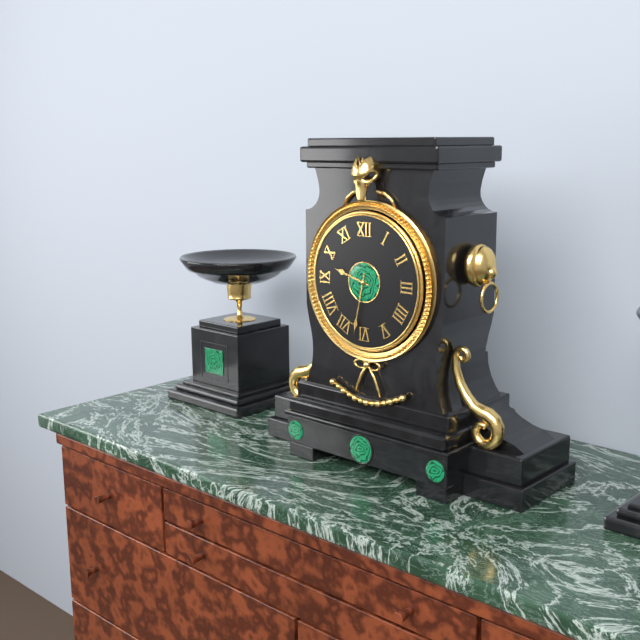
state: 9:32
